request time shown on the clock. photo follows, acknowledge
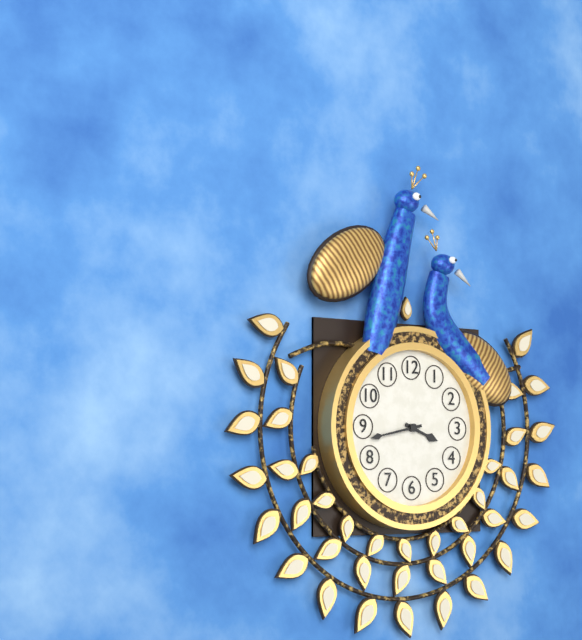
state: 3:43
